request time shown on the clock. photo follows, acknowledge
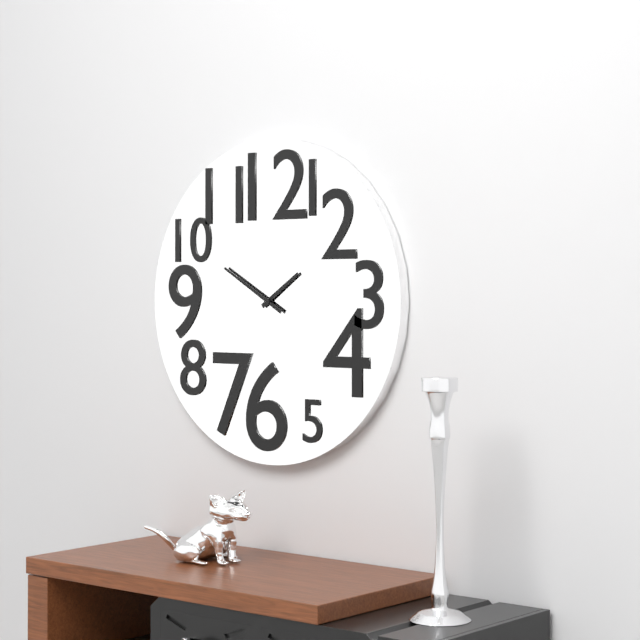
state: 1:50
